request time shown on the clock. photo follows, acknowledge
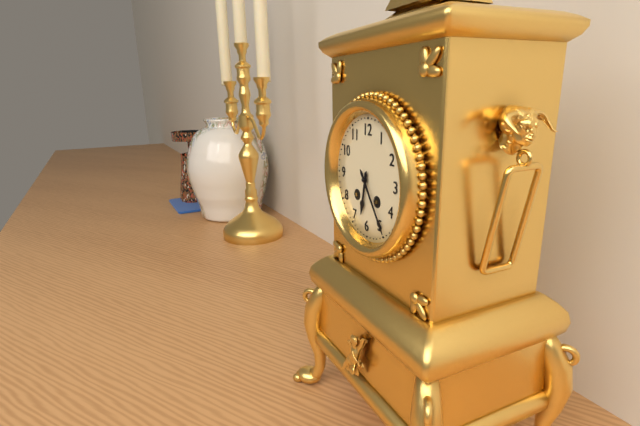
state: 6:24
